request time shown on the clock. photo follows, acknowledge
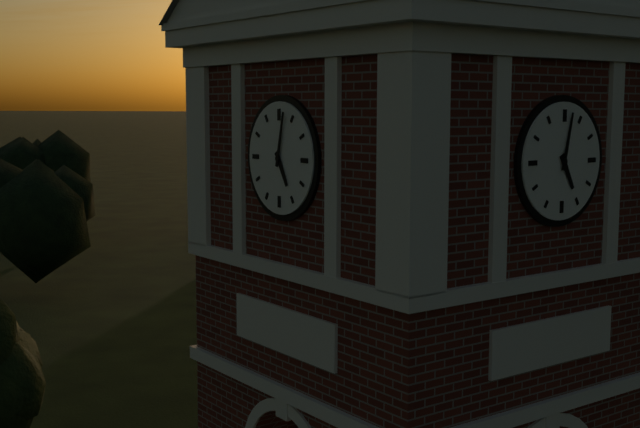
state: 5:02
